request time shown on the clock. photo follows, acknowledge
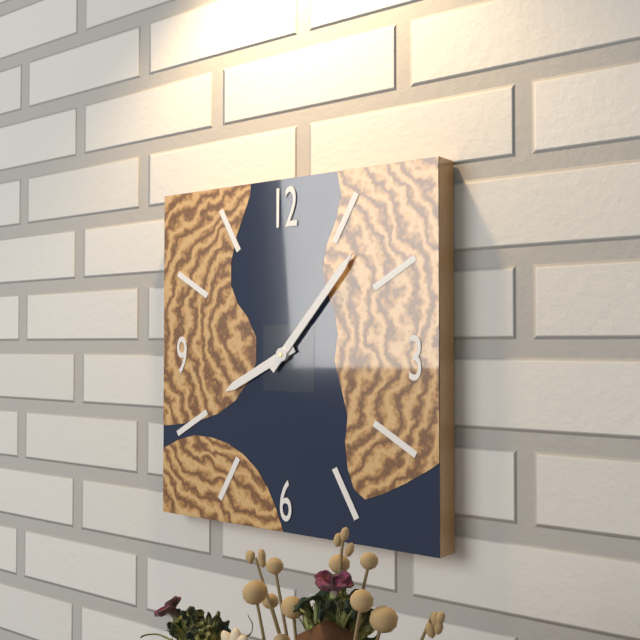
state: 8:07
